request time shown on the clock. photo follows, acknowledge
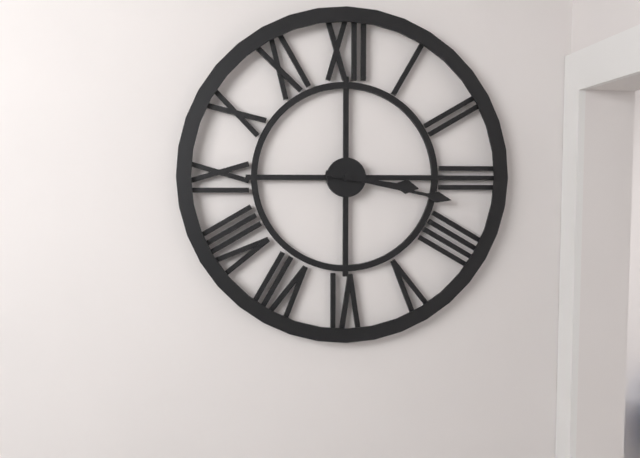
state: 3:17
